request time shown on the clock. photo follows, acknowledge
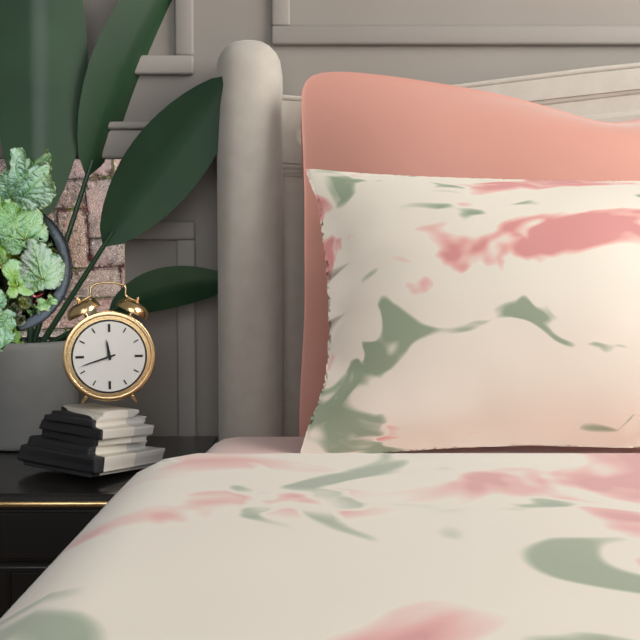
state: 11:42
